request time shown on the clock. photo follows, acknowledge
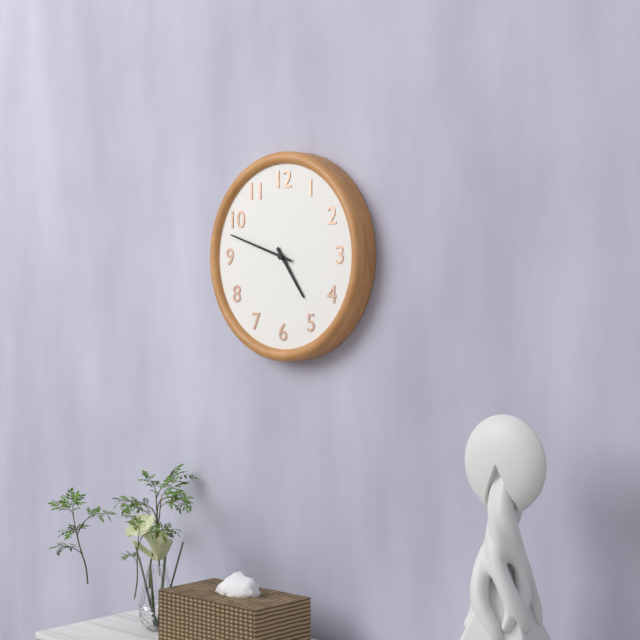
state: 4:48
